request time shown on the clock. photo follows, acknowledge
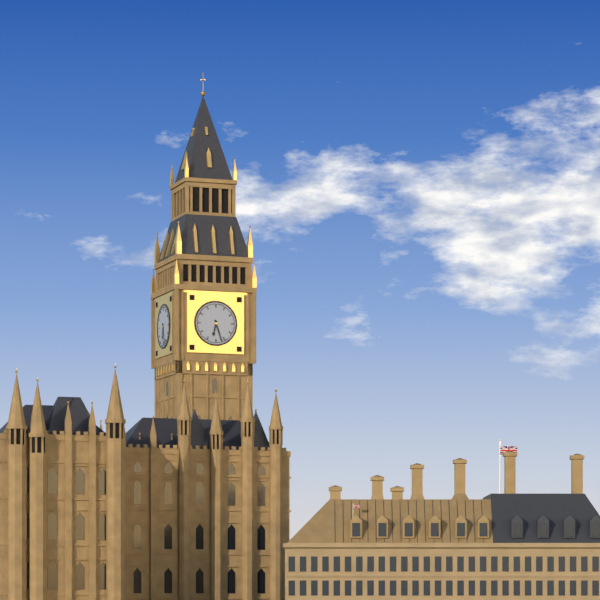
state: 6:27
